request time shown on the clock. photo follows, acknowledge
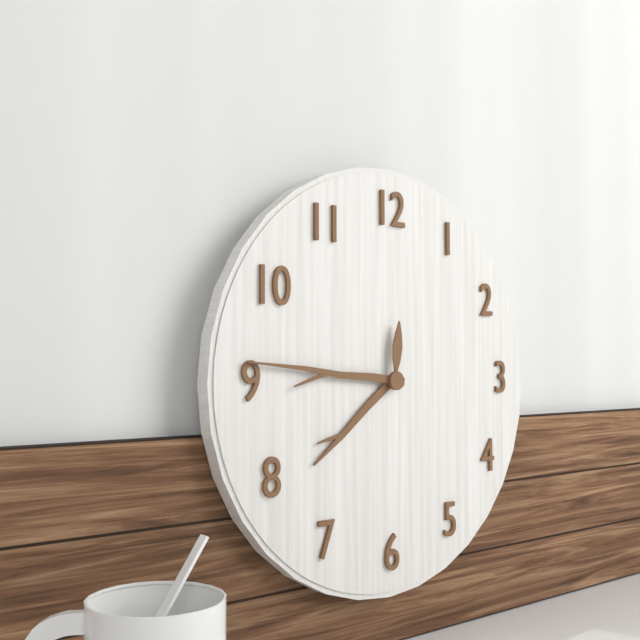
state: 7:46:01
